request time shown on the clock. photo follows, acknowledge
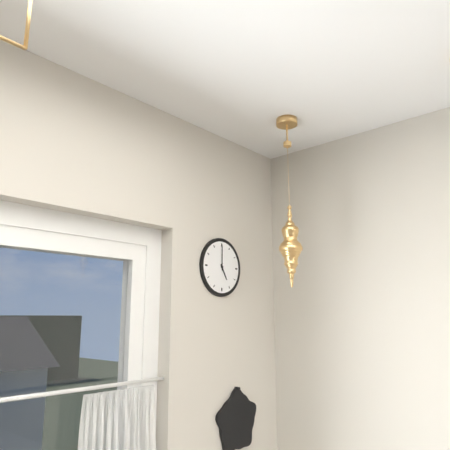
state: 5:00
